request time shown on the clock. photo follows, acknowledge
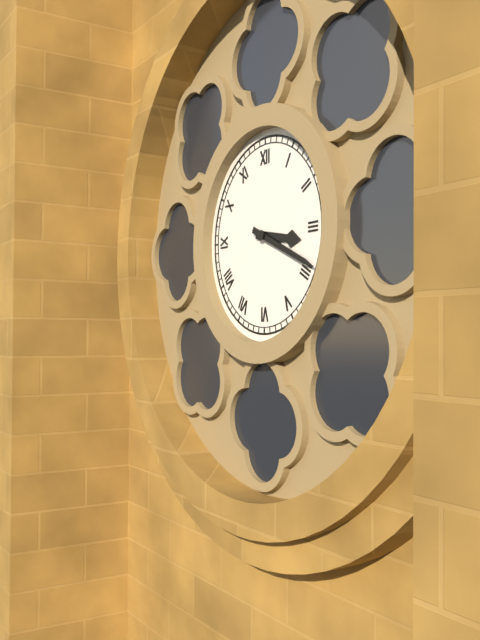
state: 3:19
